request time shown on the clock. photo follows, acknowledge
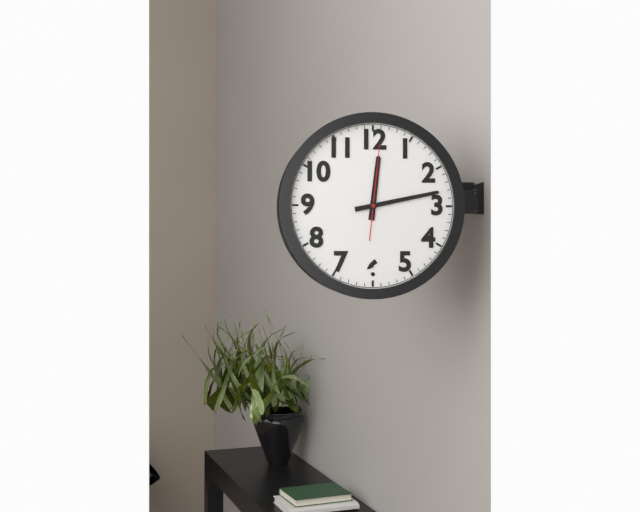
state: 12:13:01
